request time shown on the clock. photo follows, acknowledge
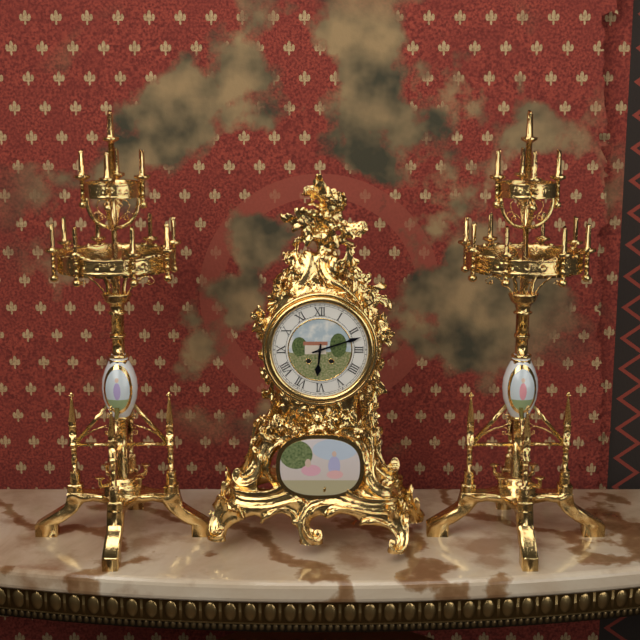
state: 6:12
